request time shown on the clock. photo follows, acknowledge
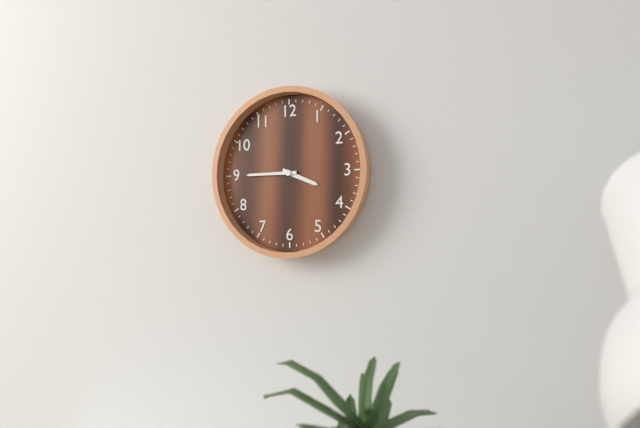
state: 3:45
